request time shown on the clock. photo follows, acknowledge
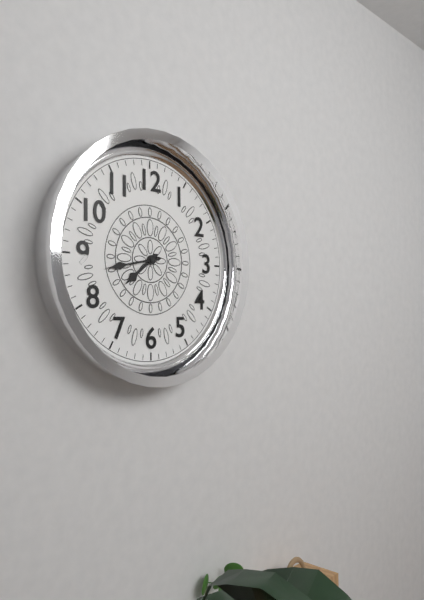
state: 7:43
